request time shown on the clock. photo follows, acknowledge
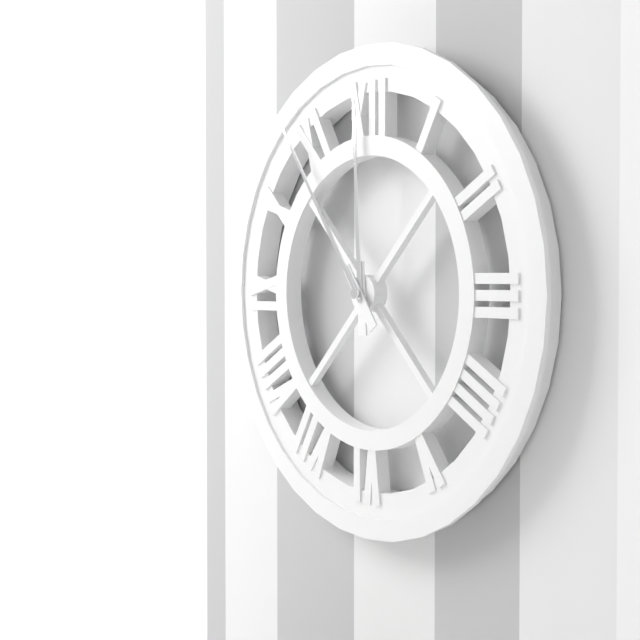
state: 11:54
